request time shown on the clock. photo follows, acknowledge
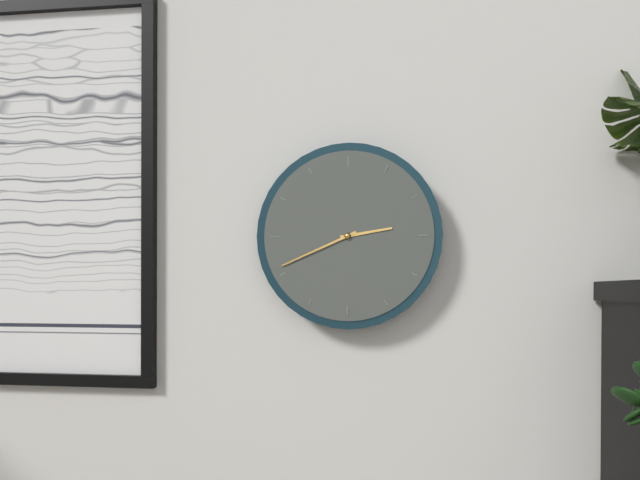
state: 2:41
